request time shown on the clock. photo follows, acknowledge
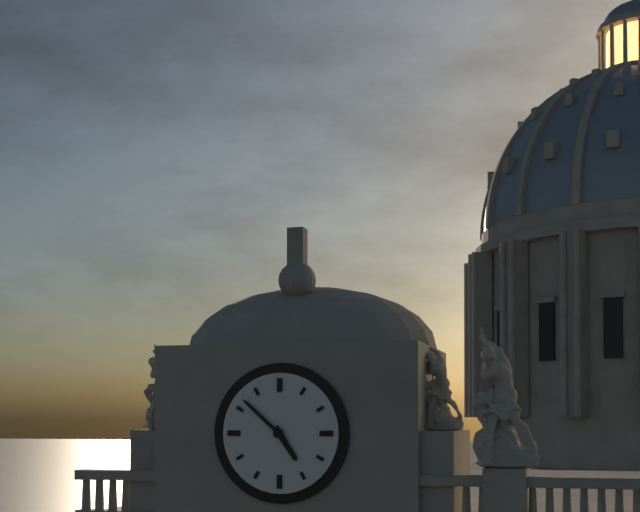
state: 4:52
